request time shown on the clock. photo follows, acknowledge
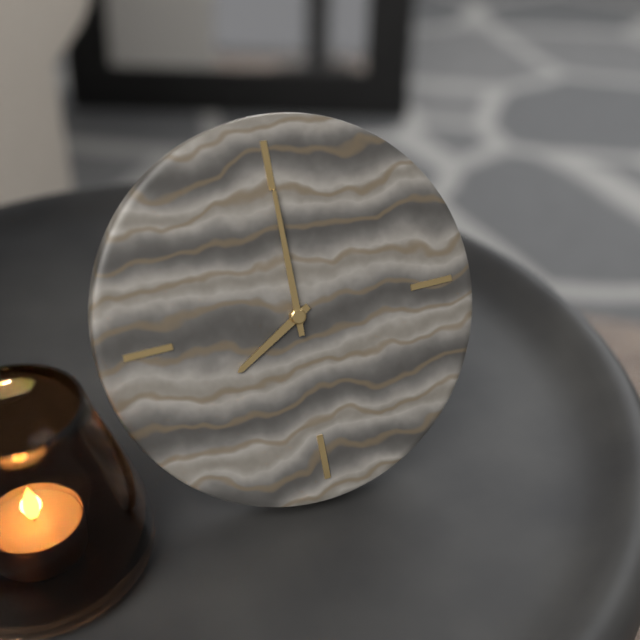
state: 8:00
